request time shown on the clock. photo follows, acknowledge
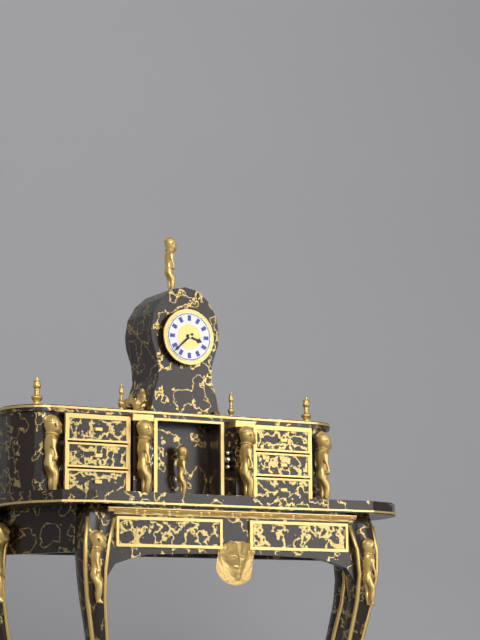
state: 3:38
